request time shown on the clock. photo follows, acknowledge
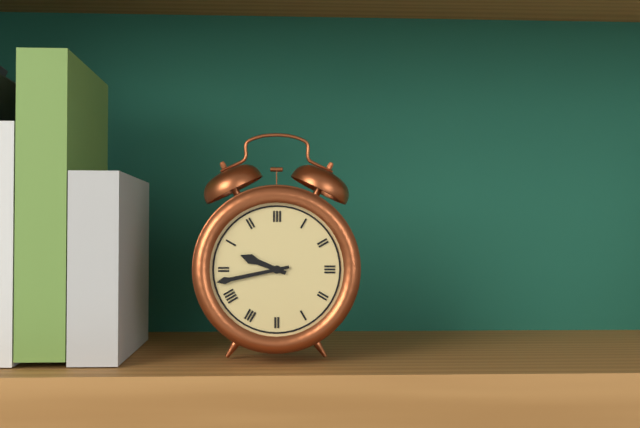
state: 9:43
